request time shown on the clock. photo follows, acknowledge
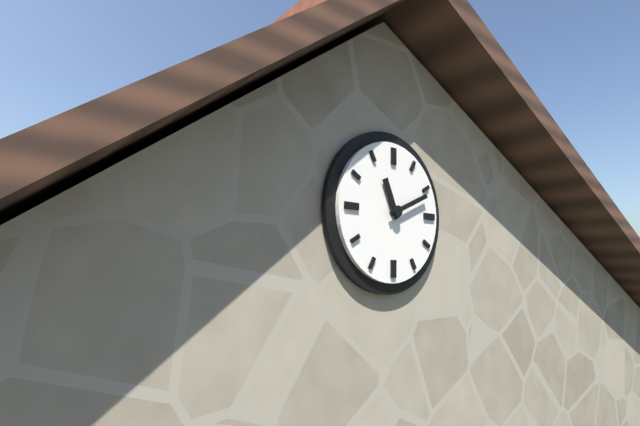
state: 11:11
